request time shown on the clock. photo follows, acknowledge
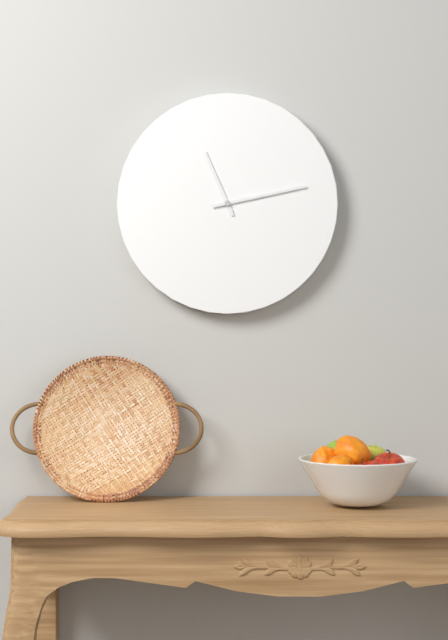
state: 11:13
